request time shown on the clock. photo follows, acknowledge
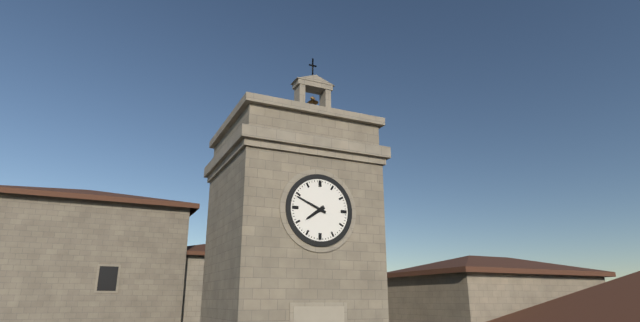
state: 7:49
